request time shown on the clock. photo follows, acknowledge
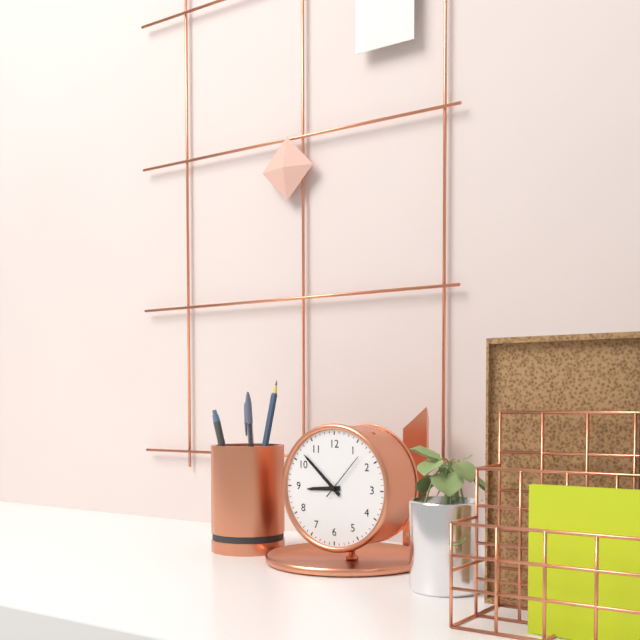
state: 8:52:07
